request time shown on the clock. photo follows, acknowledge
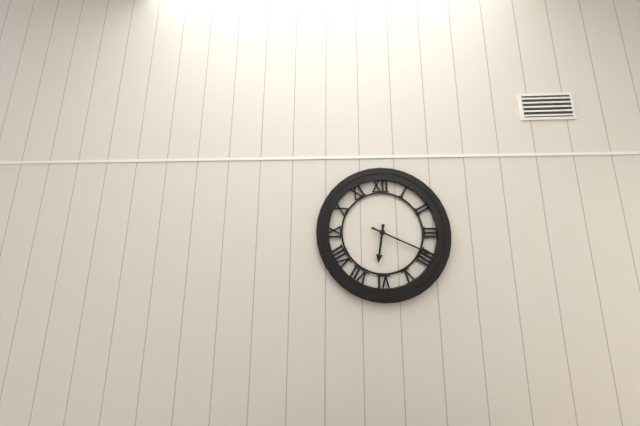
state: 6:19
